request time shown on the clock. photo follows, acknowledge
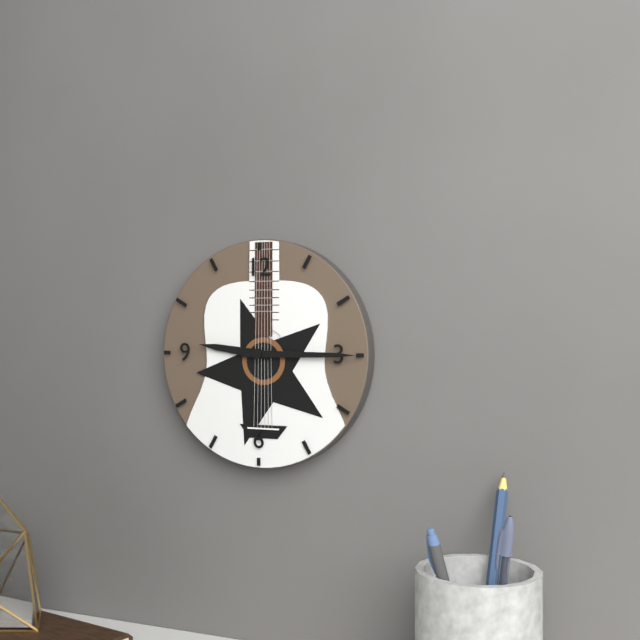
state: 9:15
